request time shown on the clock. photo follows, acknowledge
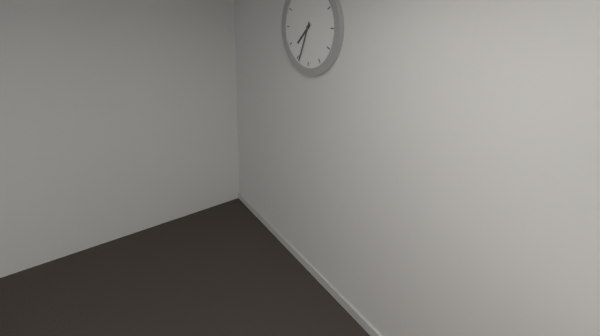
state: 7:34
